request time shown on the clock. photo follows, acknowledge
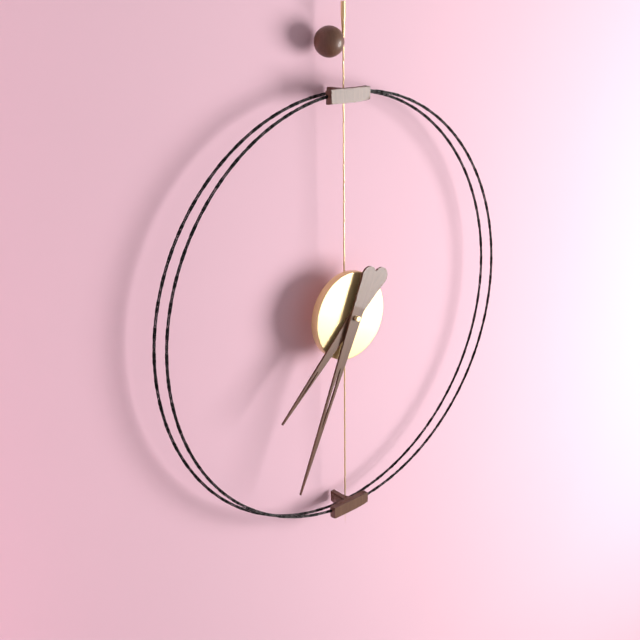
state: 7:34
